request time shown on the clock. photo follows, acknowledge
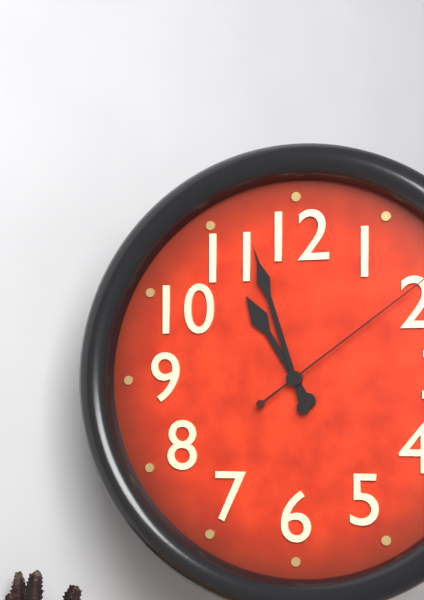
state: 10:57
